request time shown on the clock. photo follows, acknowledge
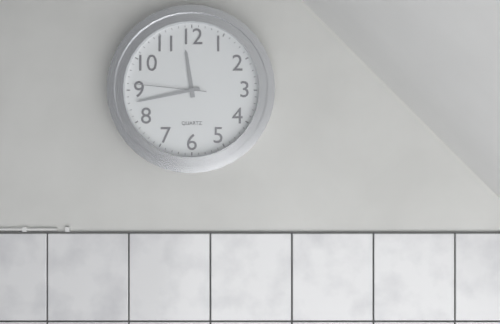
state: 11:43:46
